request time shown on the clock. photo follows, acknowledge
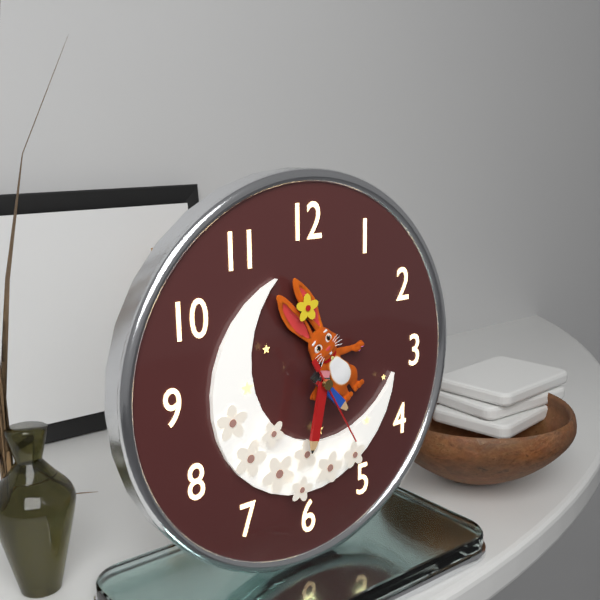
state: 4:32:25
